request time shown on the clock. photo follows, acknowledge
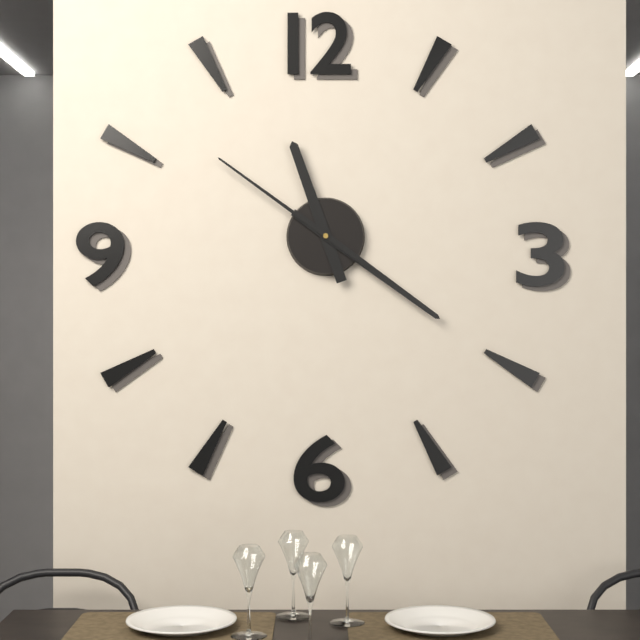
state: 11:21:51
